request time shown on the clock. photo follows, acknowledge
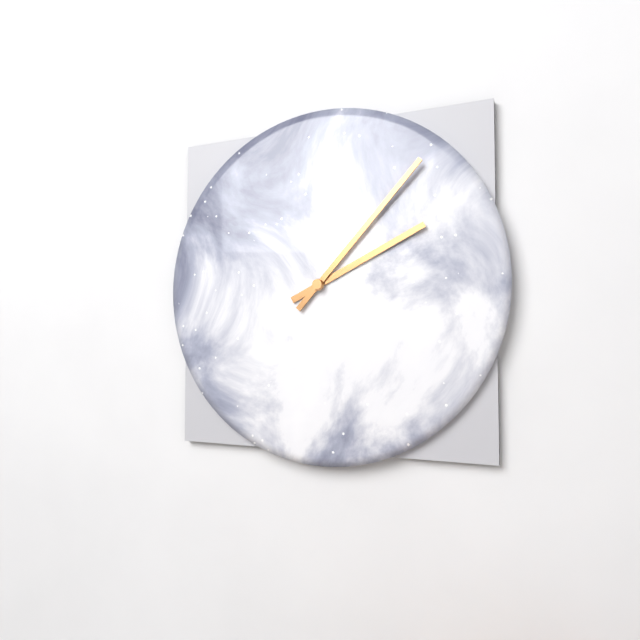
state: 2:07
